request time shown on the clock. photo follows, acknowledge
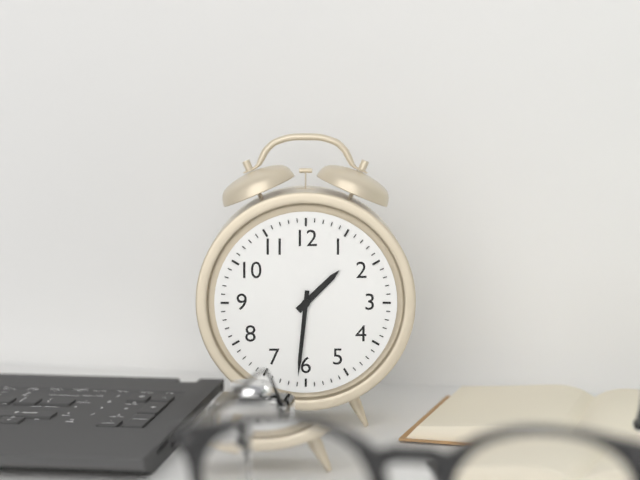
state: 1:31
